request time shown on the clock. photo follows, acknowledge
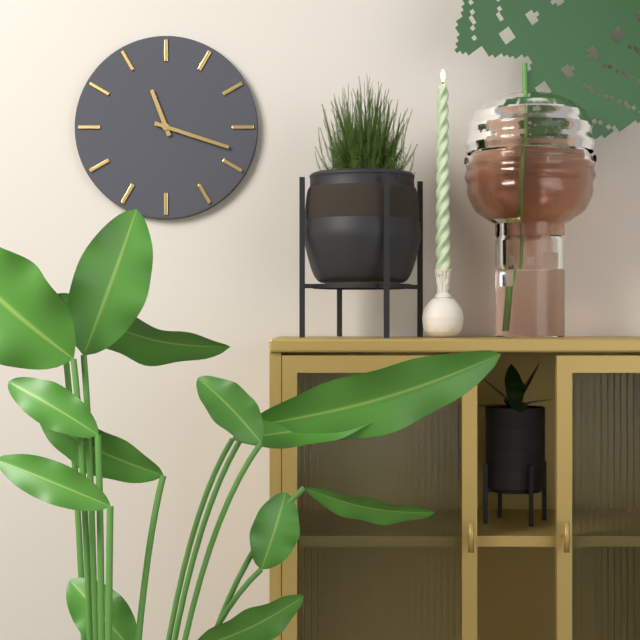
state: 11:18
